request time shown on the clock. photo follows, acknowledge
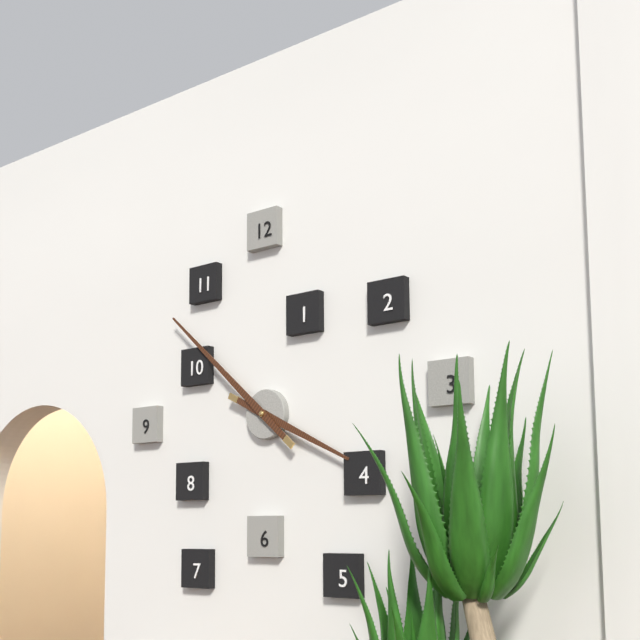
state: 3:52
